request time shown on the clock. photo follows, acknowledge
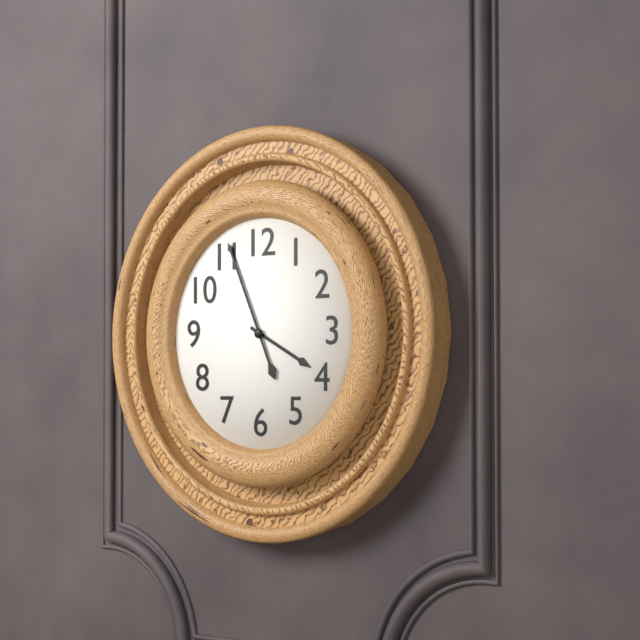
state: 3:56
